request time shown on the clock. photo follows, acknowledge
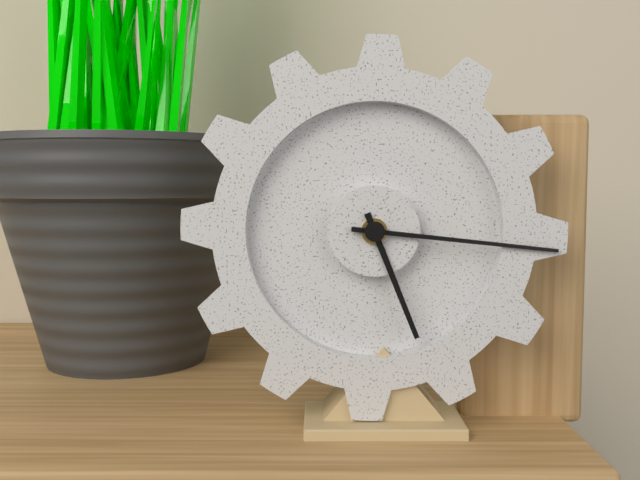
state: 5:16
